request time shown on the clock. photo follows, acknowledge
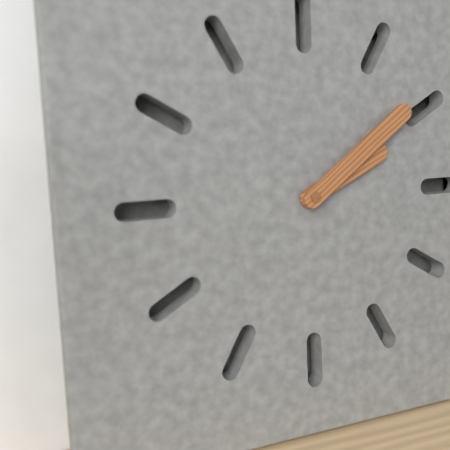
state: 2:09
